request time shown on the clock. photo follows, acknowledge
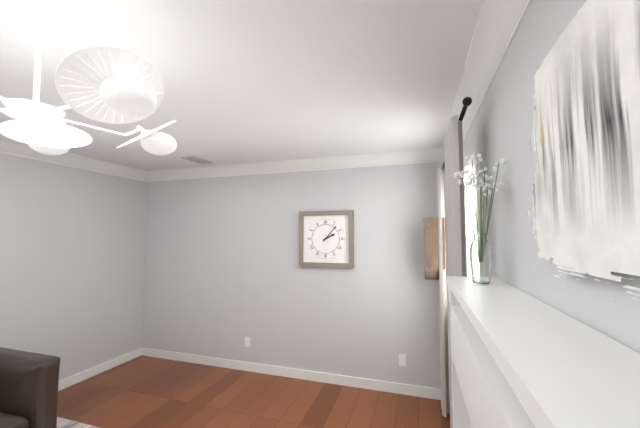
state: 2:07
